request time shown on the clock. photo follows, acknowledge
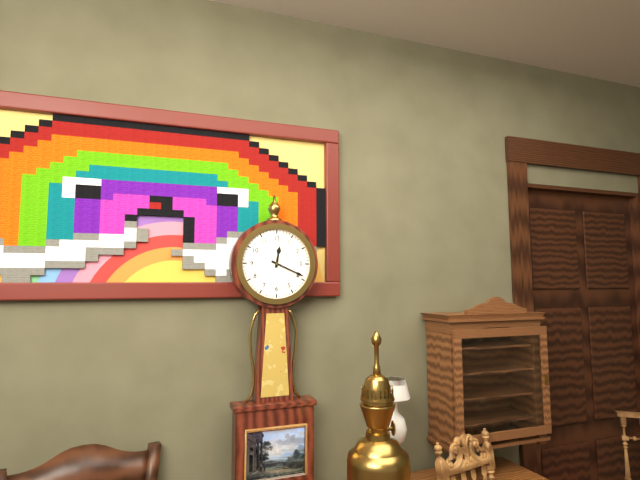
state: 12:19
